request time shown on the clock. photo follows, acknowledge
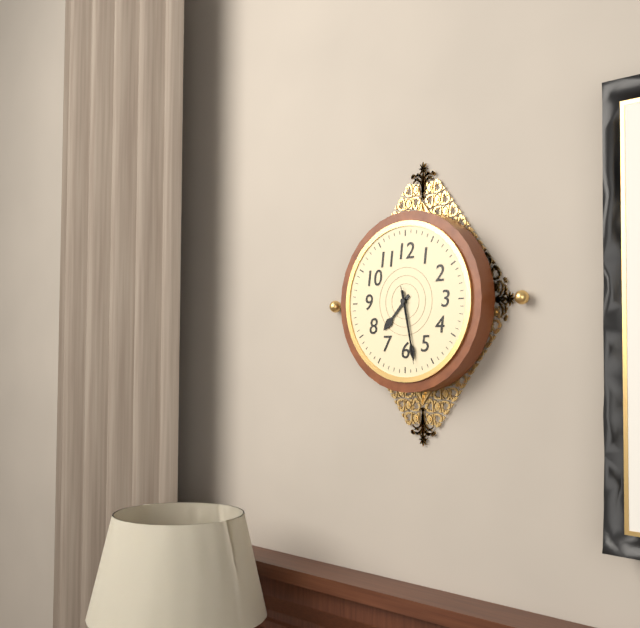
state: 7:28:28
